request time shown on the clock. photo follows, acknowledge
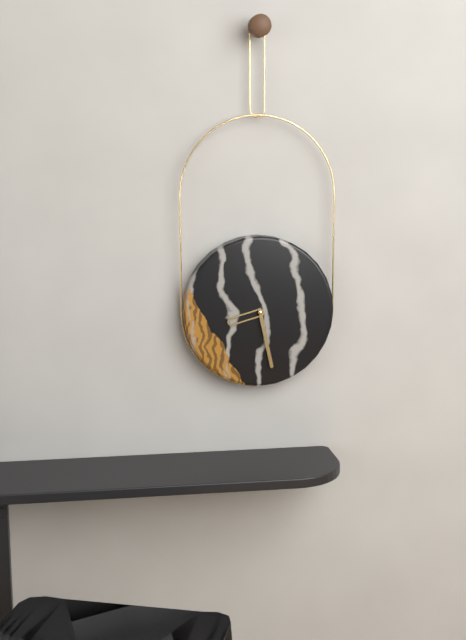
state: 8:28
